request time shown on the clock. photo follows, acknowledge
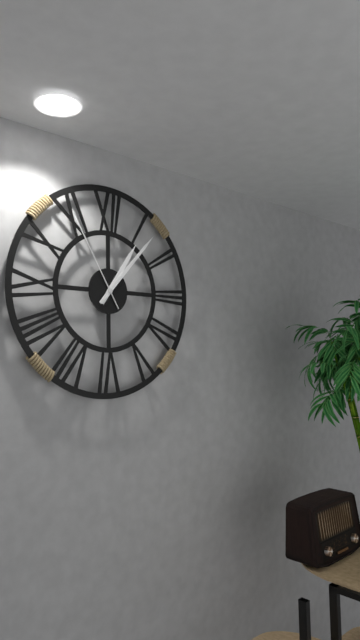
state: 1:07:55
